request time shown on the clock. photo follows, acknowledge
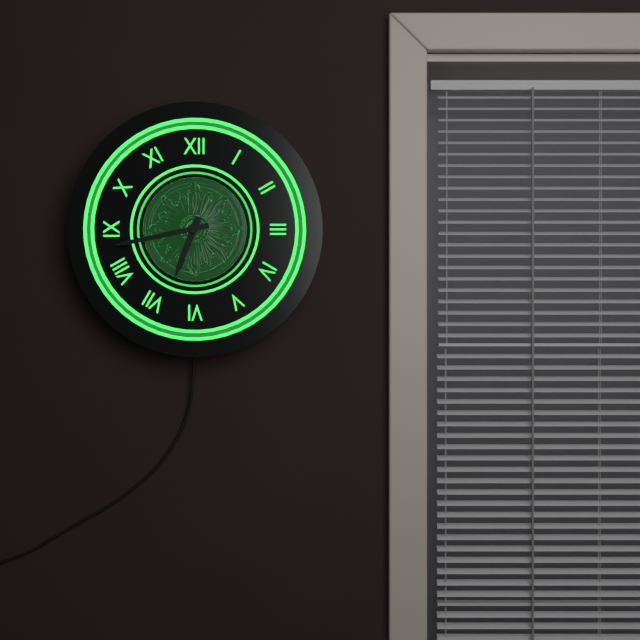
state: 6:43
